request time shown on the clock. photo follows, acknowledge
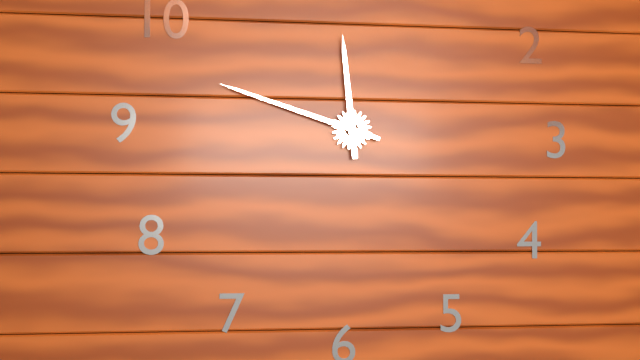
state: 11:48
